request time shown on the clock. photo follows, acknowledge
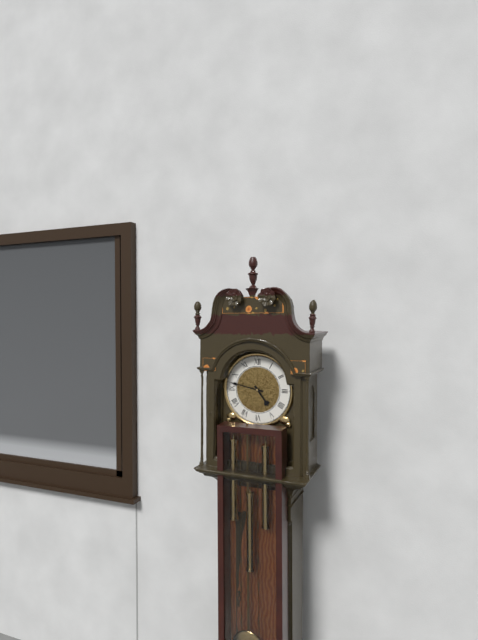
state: 4:47
